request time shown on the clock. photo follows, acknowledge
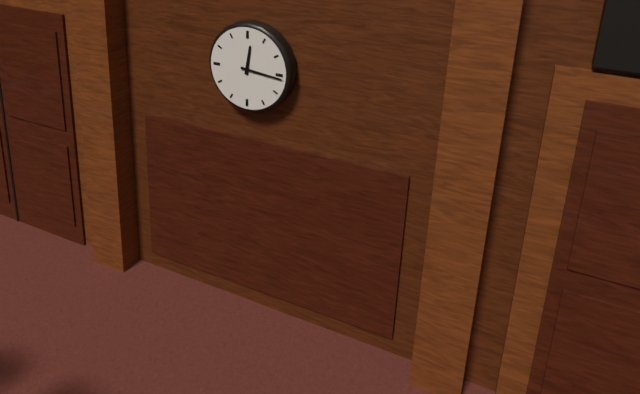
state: 12:16
